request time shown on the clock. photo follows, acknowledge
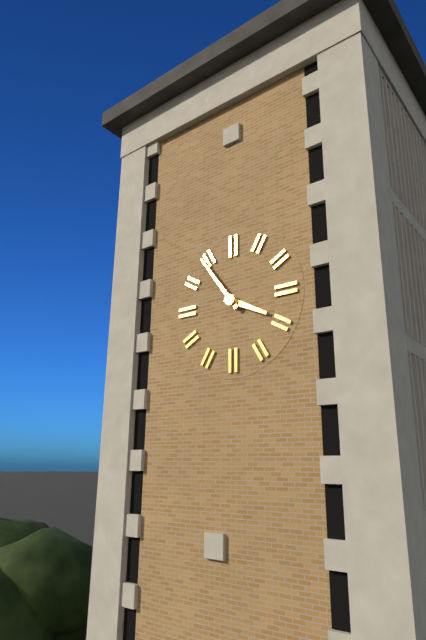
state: 3:54
